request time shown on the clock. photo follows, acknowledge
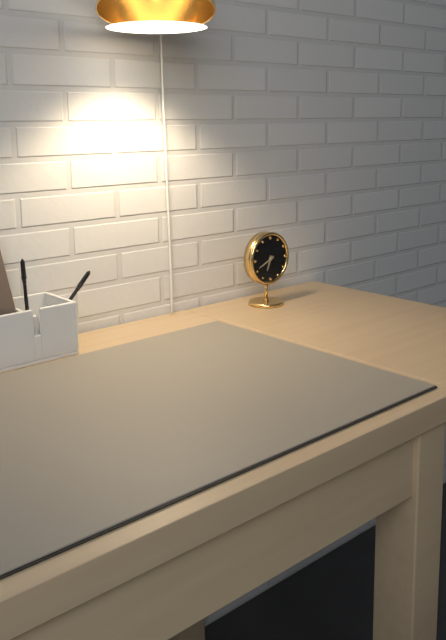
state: 6:41
